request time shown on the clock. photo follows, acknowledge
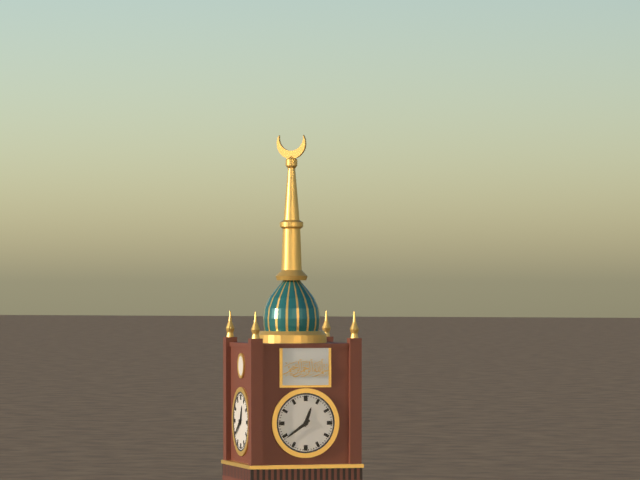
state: 12:39
